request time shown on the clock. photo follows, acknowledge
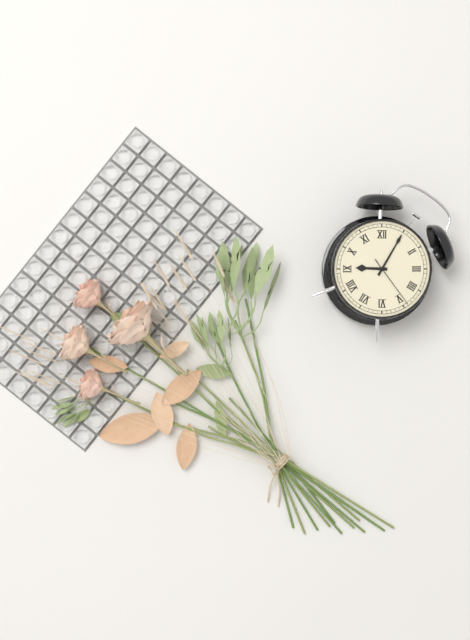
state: 9:05:24
